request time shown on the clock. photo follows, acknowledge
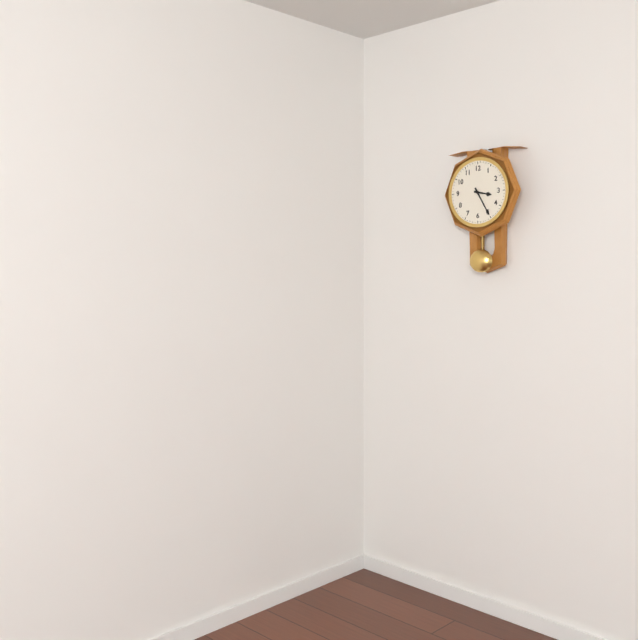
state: 3:25
